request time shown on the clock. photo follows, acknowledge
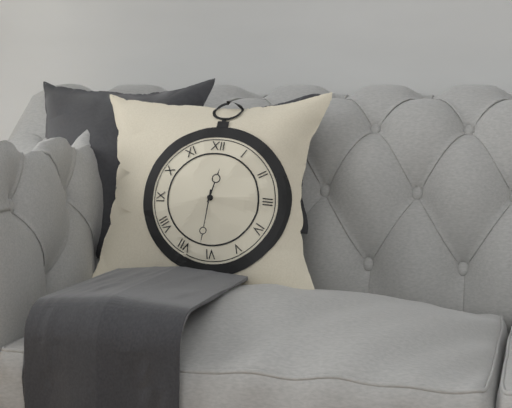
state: 12:31
